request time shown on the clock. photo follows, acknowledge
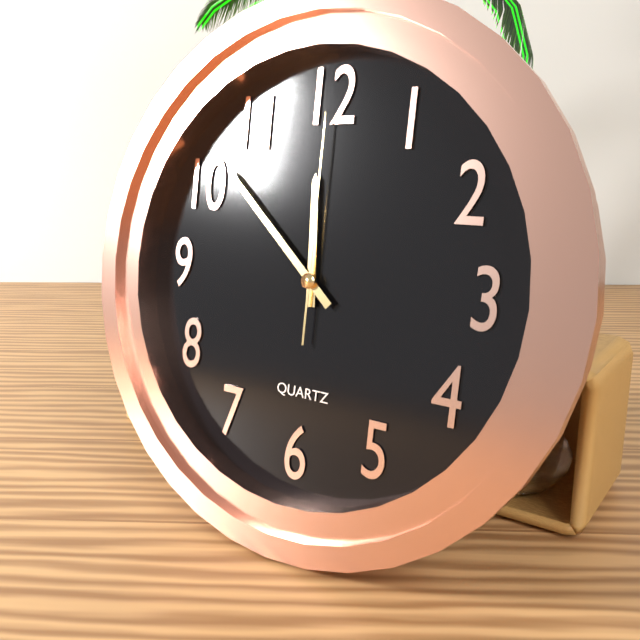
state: 11:52:00
